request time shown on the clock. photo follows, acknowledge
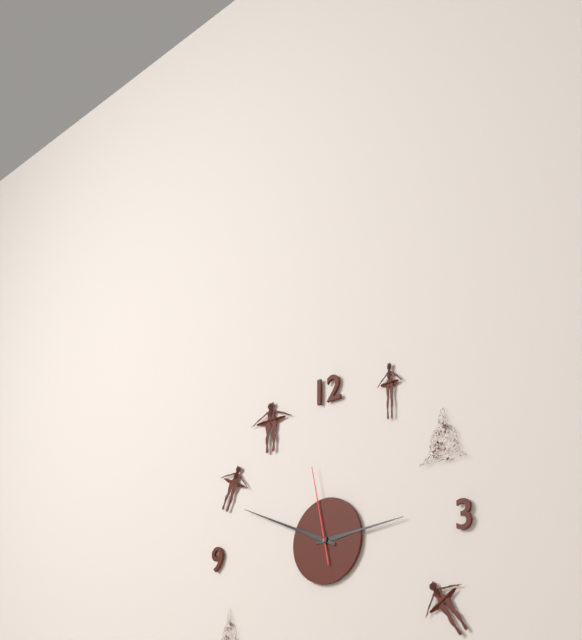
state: 2:49:58
